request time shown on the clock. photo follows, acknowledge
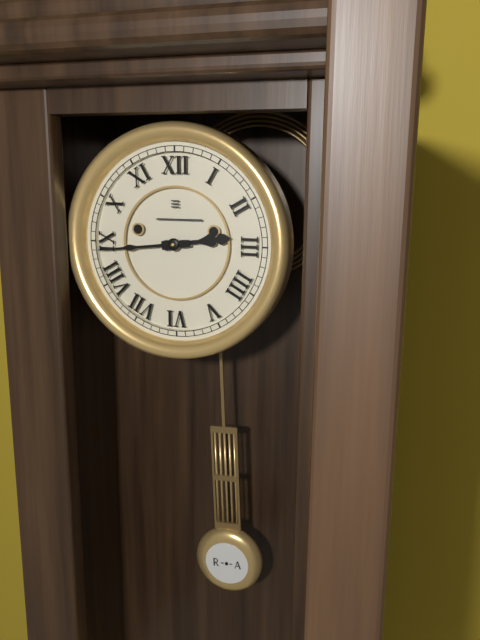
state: 2:44
